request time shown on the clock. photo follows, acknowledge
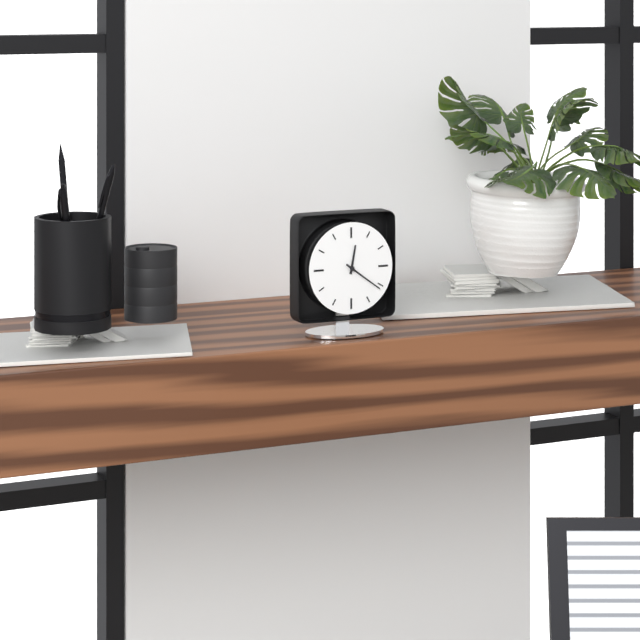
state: 12:21
